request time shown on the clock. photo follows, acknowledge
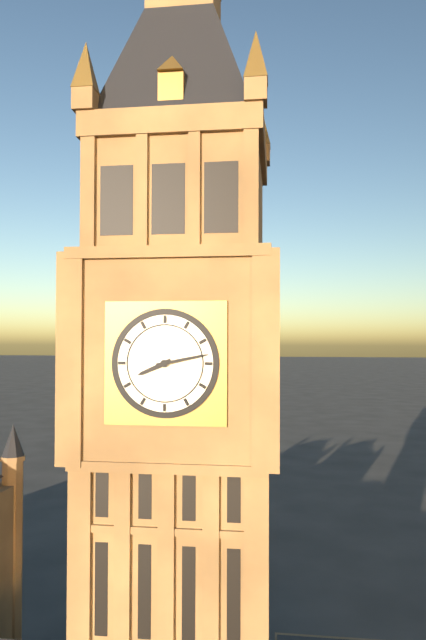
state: 8:13
